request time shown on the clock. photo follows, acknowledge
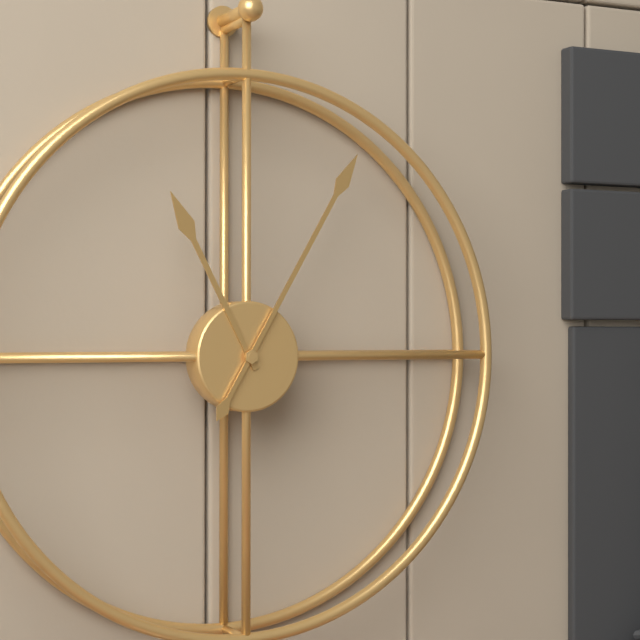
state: 11:05
